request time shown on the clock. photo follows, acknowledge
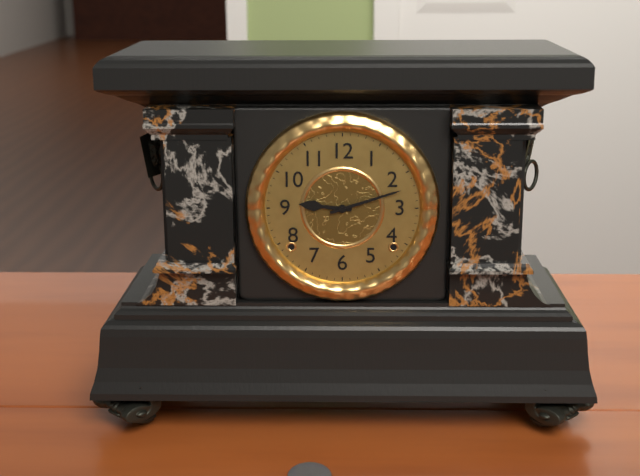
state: 9:12
